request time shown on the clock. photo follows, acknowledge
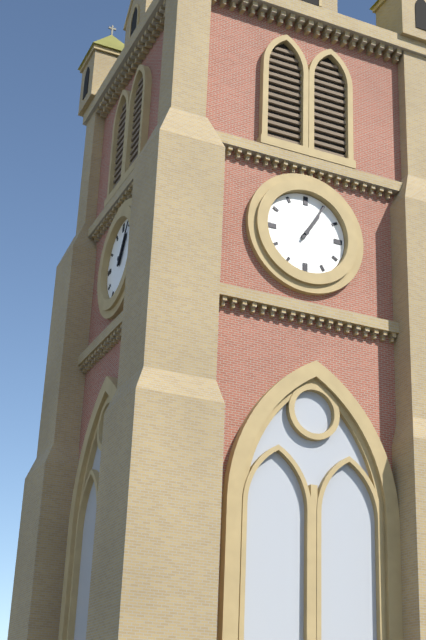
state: 1:05
